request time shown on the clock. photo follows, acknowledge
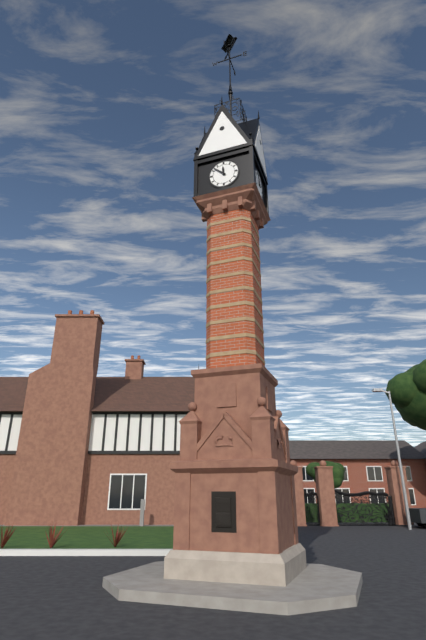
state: 11:52
